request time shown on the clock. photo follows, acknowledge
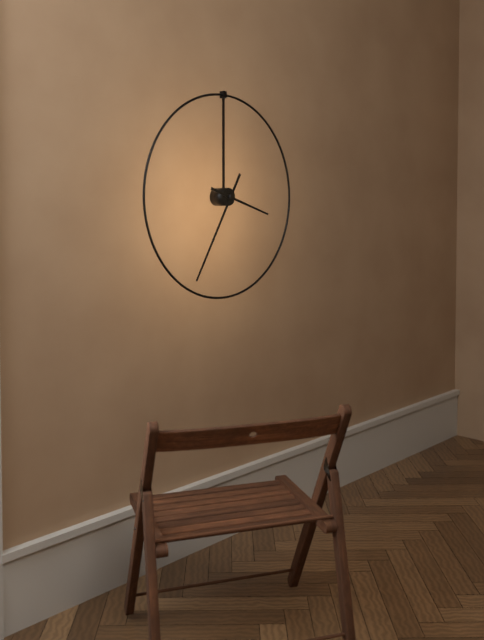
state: 3:35
